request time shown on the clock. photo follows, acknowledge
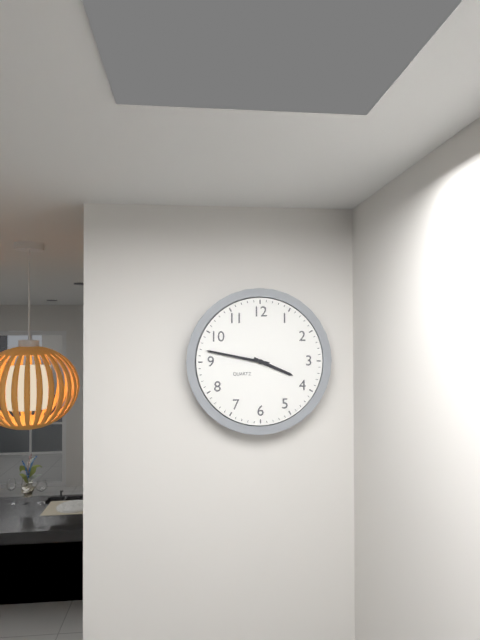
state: 3:47
